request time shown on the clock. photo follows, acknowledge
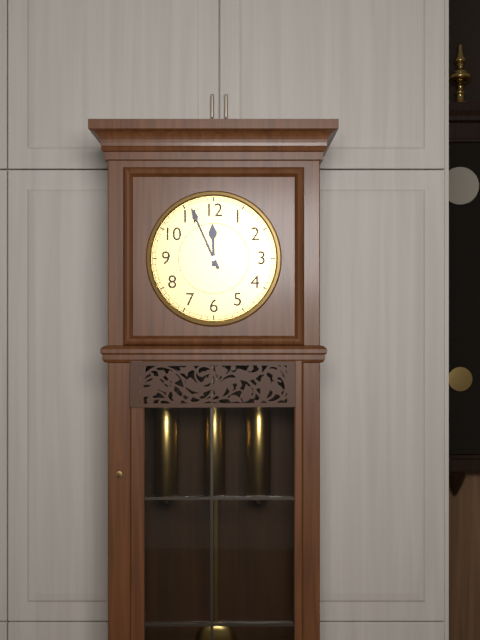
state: 11:56
